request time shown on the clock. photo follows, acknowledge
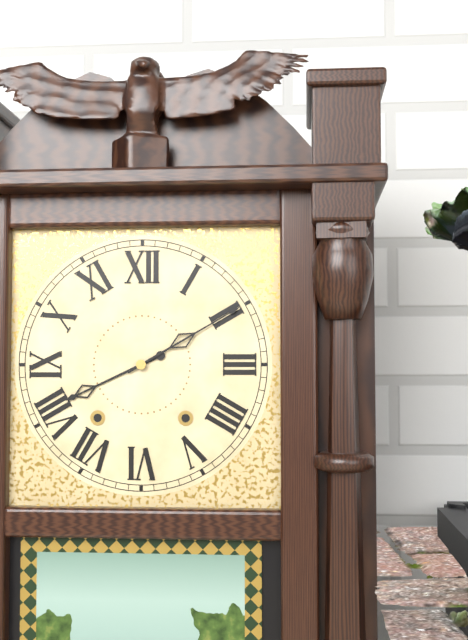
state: 8:10
